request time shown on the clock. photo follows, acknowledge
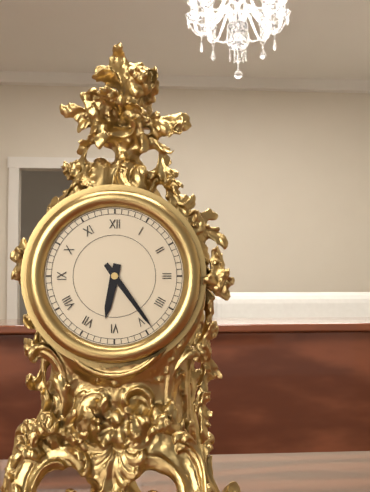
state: 6:24
